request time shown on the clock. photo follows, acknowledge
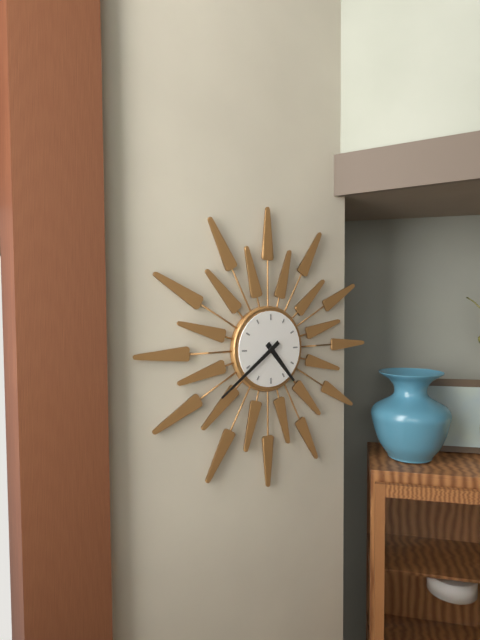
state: 4:39
